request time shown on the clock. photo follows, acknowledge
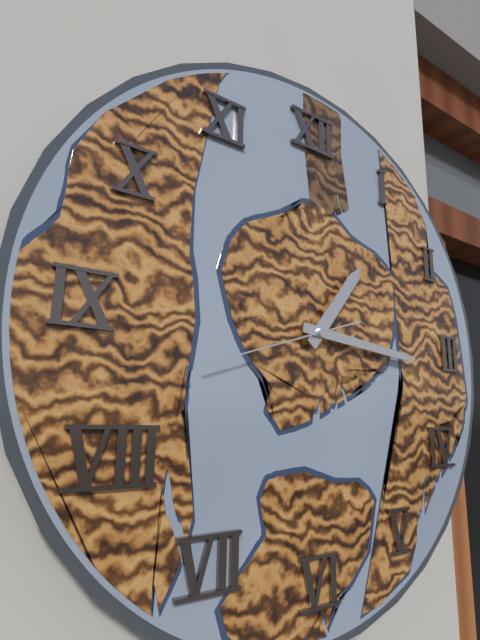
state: 1:16:42
